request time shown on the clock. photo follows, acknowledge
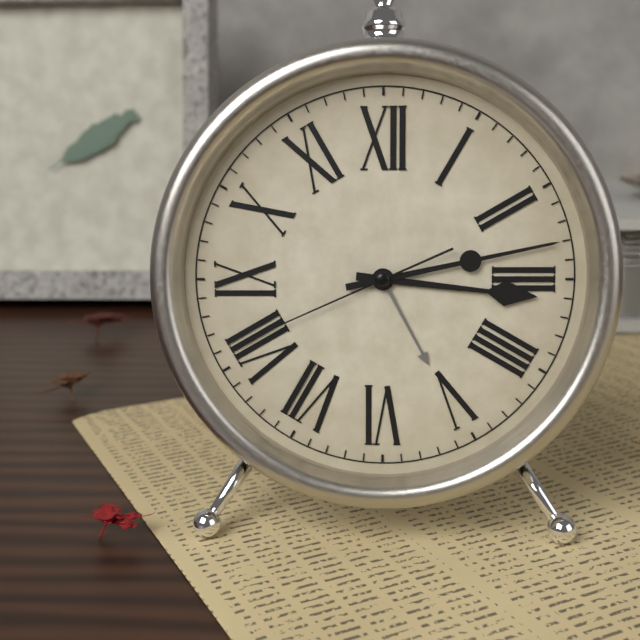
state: 3:13:41
